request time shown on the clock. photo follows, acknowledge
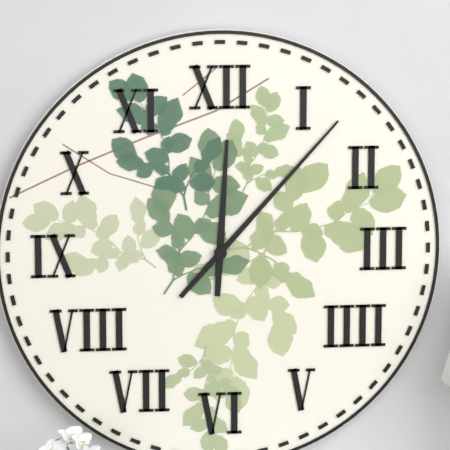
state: 12:07
